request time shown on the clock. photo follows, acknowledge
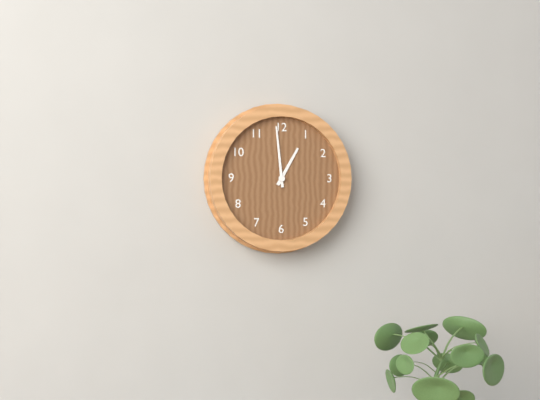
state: 12:59
